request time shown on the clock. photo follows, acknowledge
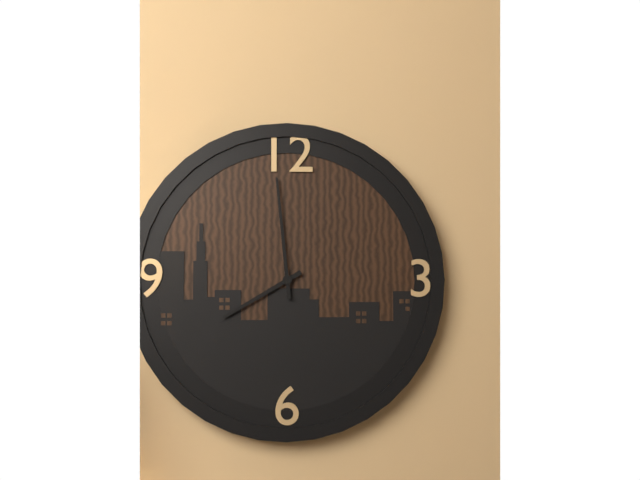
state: 7:59
